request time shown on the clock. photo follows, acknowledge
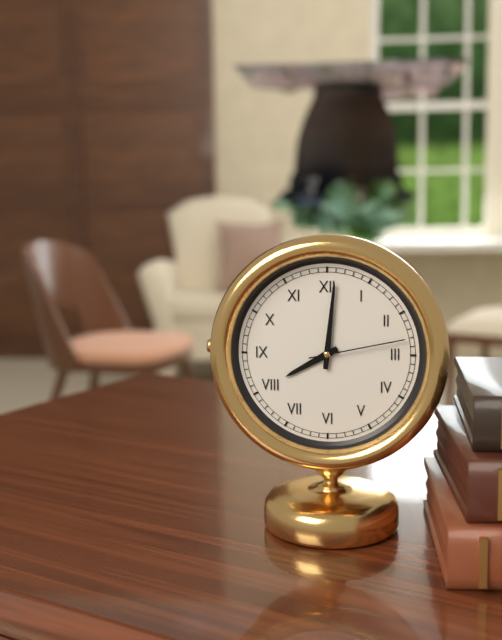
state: 8:01:13
